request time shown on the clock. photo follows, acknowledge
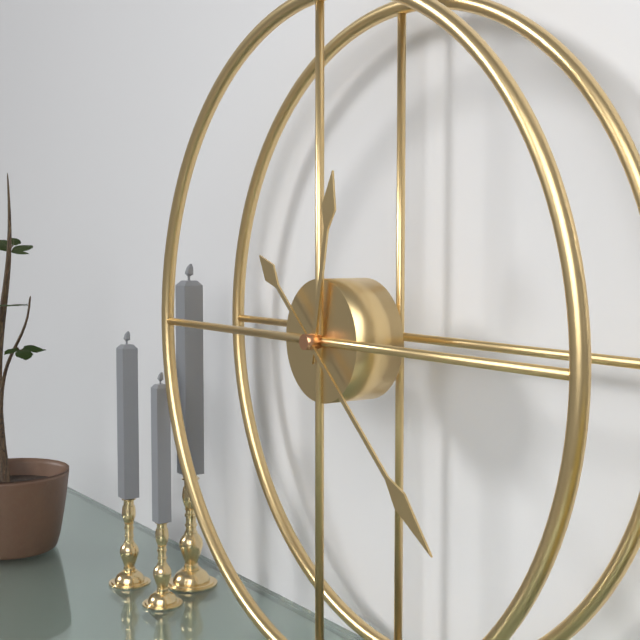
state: 12:22
